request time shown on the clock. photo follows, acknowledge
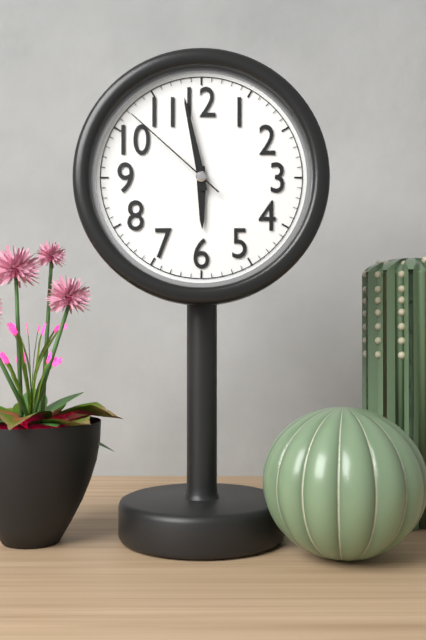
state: 5:58:52
